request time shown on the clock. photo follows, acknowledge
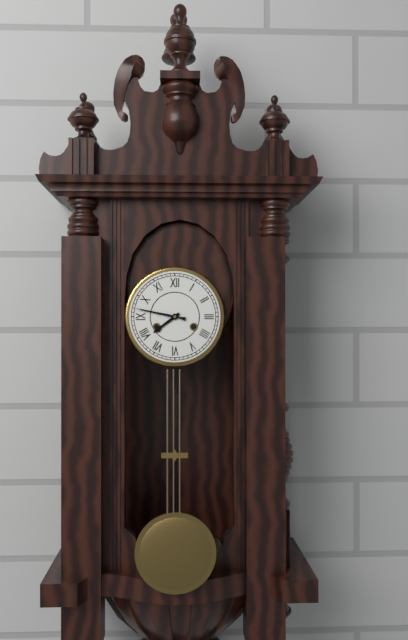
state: 7:47
